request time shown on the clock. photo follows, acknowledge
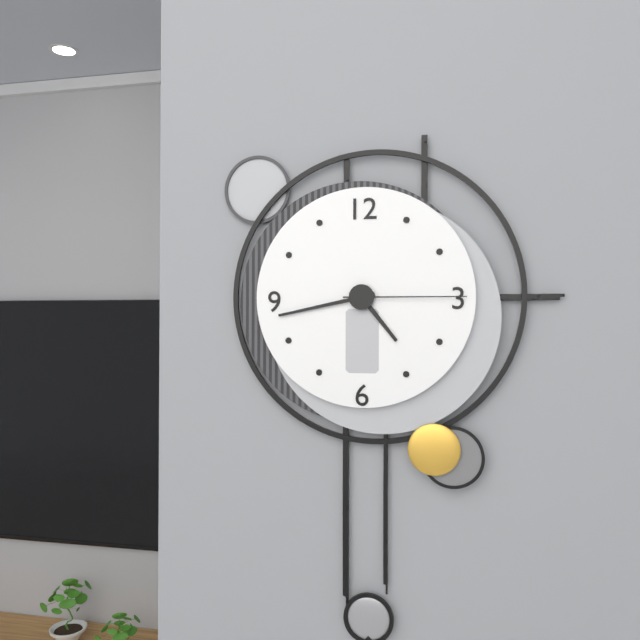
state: 4:43:15
